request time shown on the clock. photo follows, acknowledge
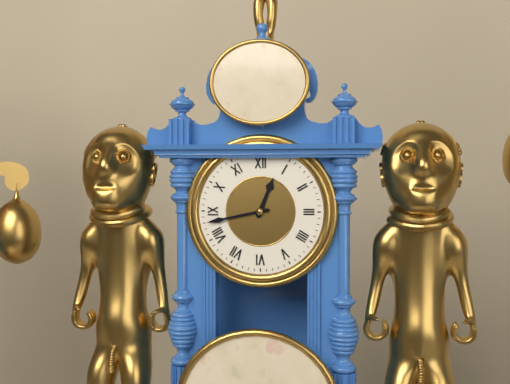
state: 12:43
